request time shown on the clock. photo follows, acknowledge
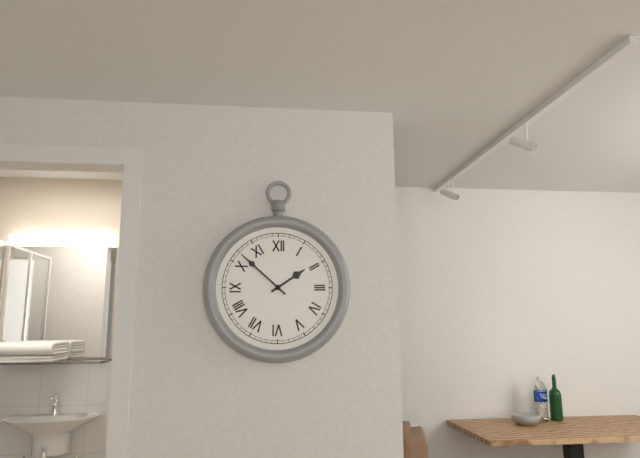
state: 1:52
